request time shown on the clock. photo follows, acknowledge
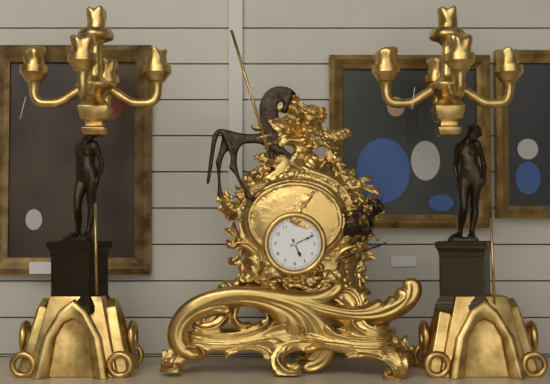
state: 5:11
